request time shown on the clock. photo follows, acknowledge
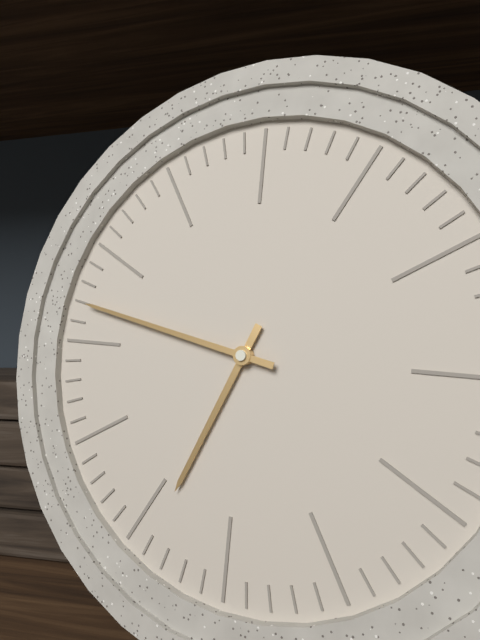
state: 6:47
